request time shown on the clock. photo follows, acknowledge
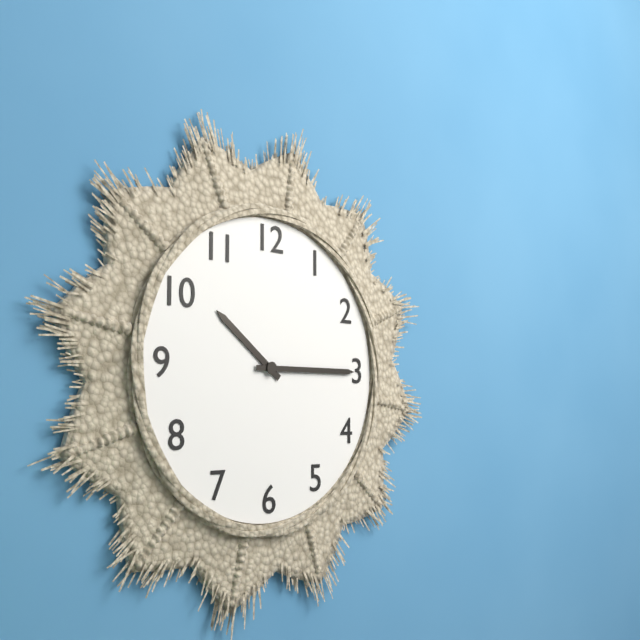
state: 10:15
